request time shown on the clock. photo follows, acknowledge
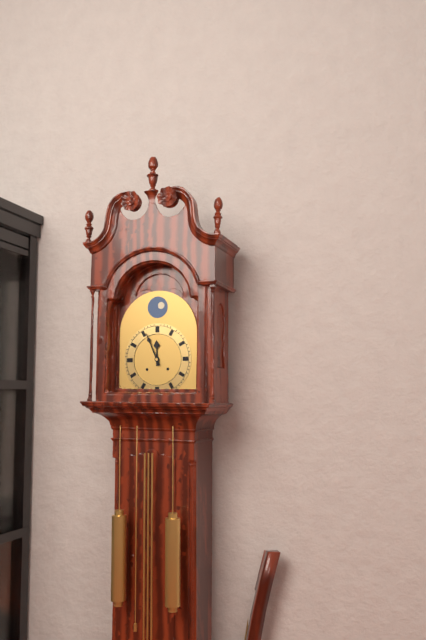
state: 11:56
